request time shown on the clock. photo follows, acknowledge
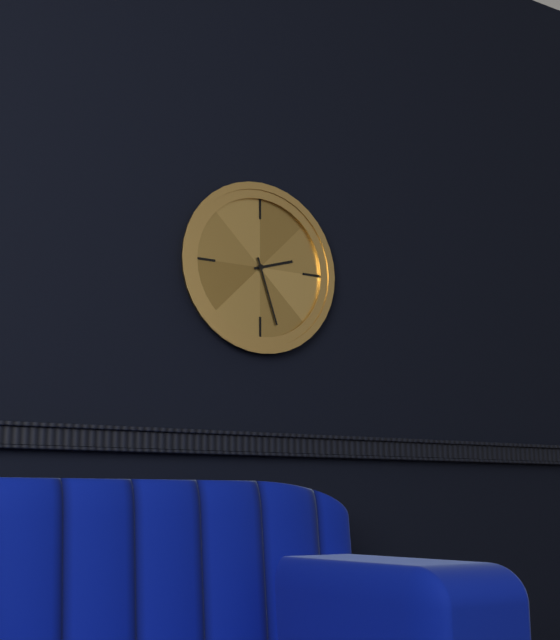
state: 2:27
